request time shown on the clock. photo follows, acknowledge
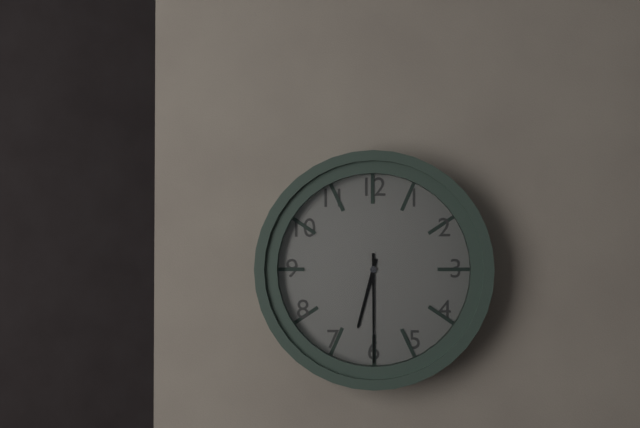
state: 6:30
